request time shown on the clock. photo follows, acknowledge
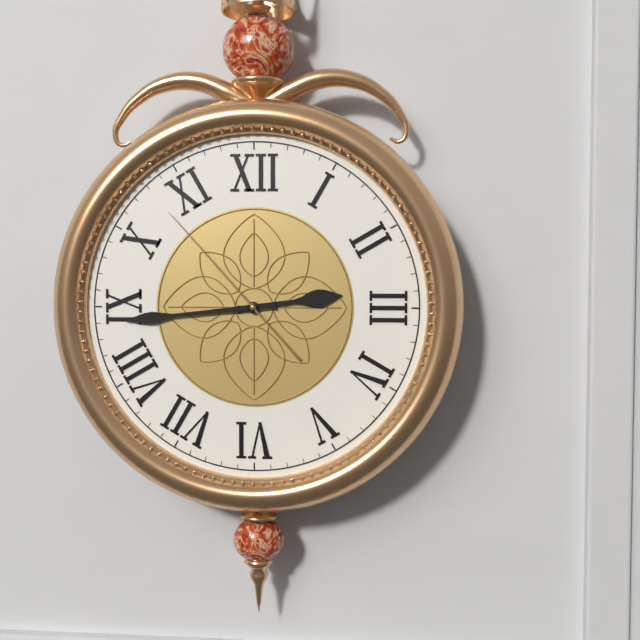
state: 2:44:53
